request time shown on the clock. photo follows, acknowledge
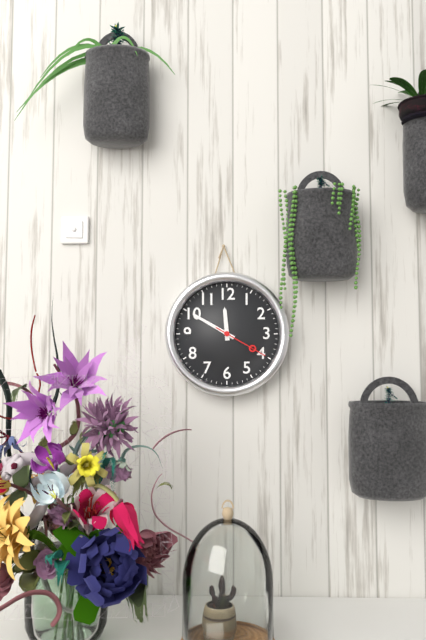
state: 11:50:20
